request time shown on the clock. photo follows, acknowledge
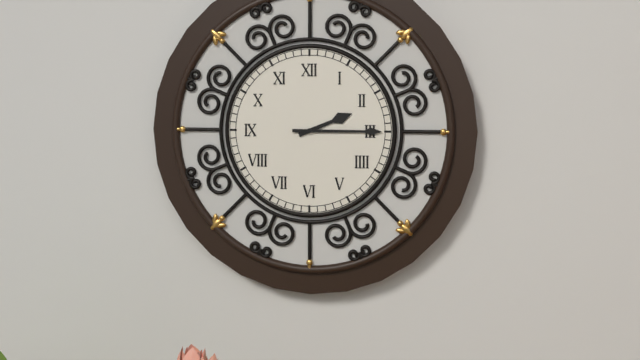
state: 2:15
